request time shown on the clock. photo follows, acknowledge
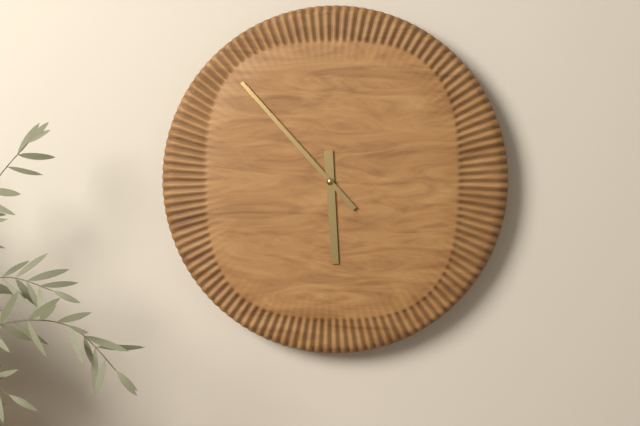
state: 5:53
